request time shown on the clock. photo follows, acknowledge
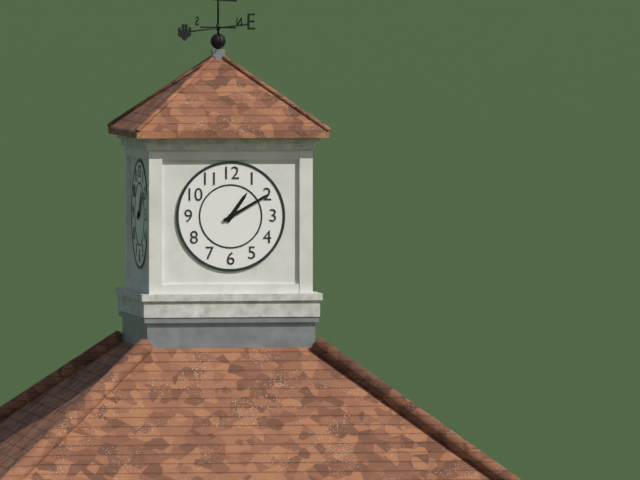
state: 1:10
